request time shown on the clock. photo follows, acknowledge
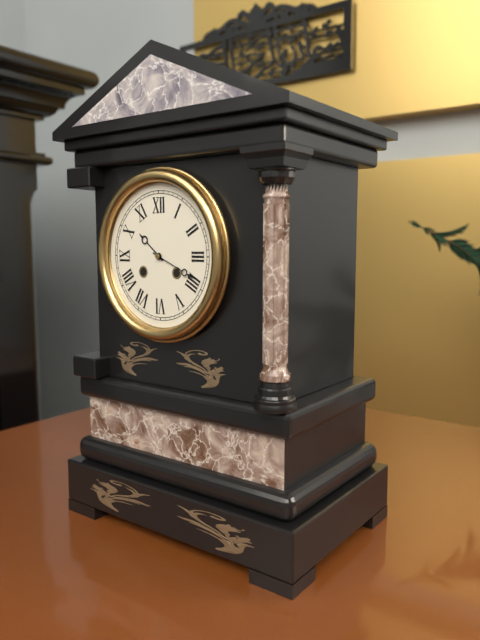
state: 10:19
